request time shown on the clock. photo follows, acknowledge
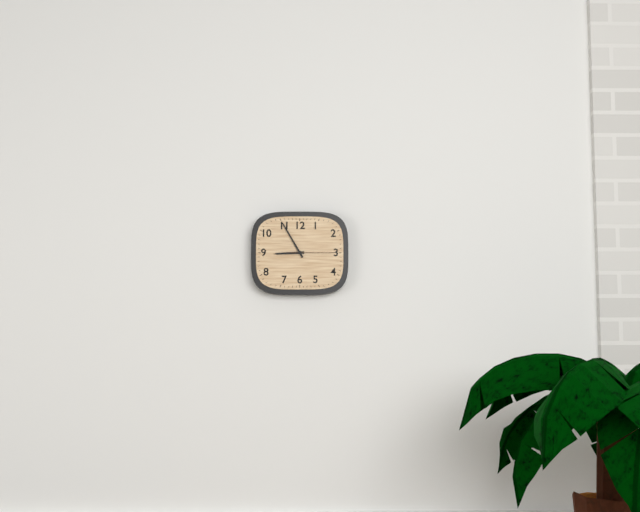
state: 8:55
